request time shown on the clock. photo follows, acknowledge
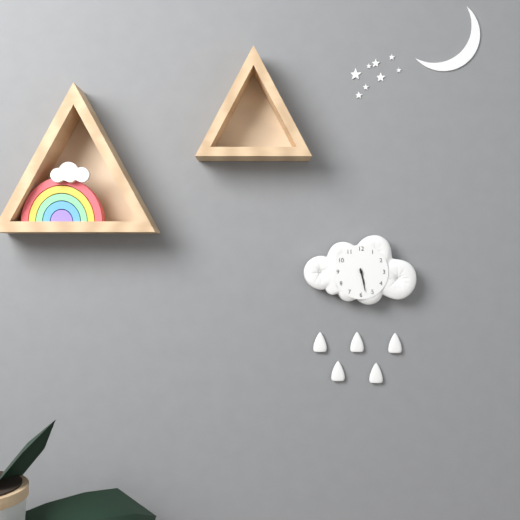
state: 5:28
